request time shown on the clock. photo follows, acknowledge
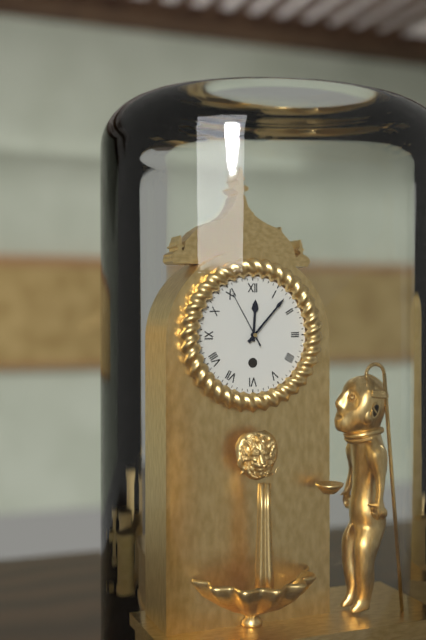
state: 12:07:55
